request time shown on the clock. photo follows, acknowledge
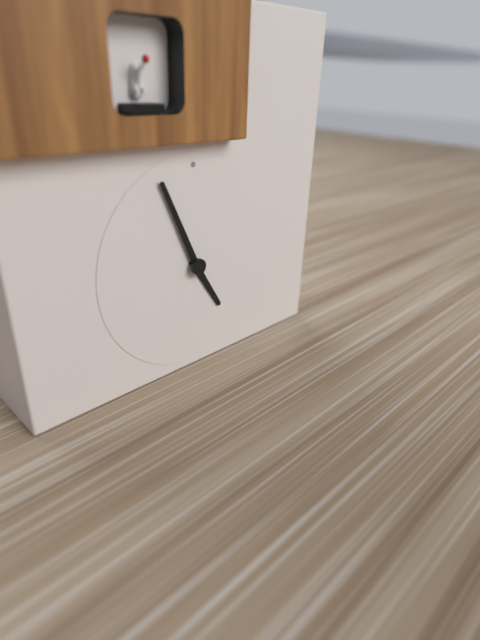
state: 4:56
